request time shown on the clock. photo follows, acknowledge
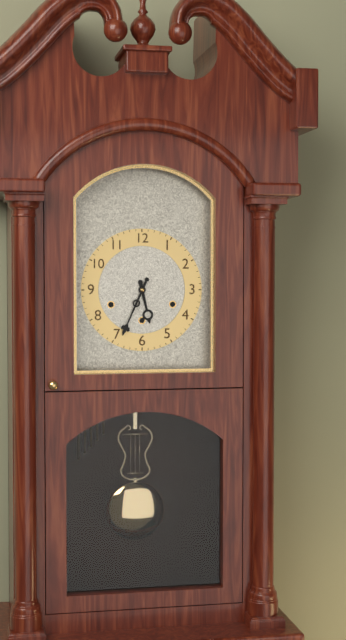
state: 5:34
